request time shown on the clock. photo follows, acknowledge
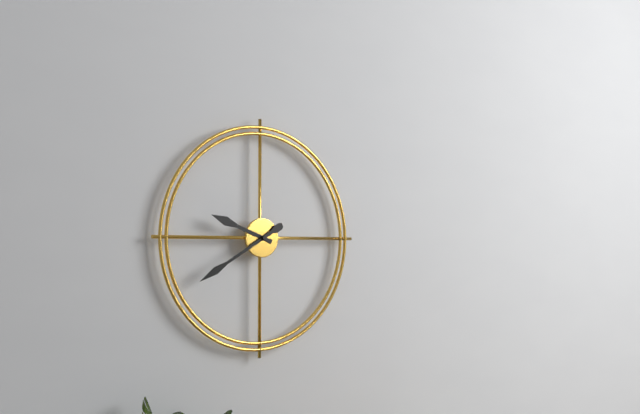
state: 9:40
